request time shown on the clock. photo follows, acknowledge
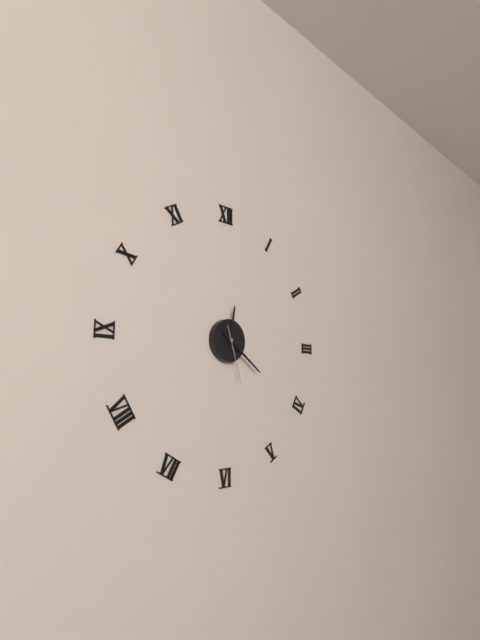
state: 12:21:27
